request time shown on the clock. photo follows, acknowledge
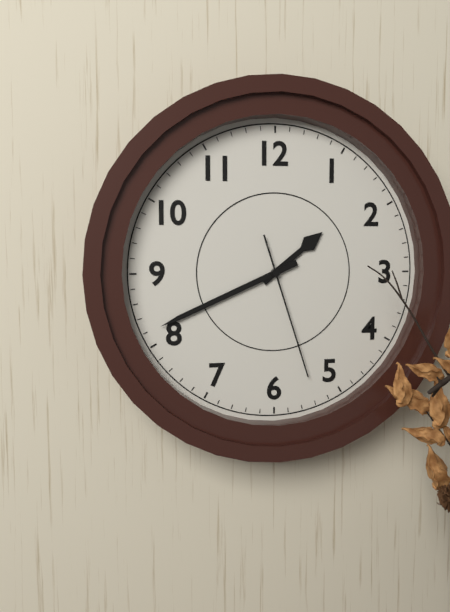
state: 1:41:27
